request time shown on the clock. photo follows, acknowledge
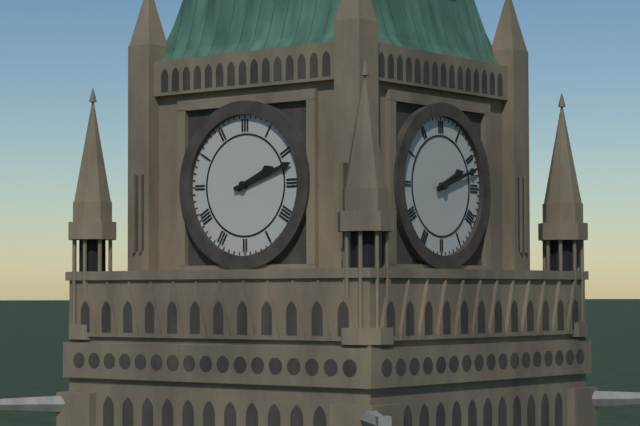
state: 2:12
